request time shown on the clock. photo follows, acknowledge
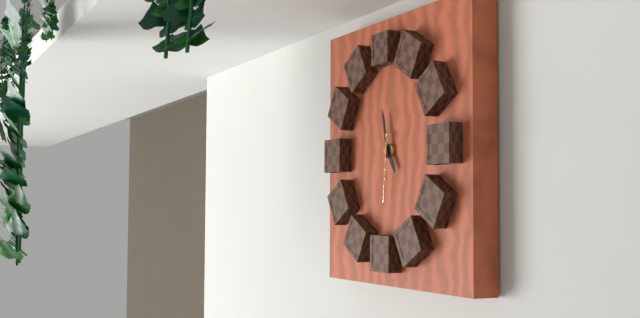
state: 4:58:31
